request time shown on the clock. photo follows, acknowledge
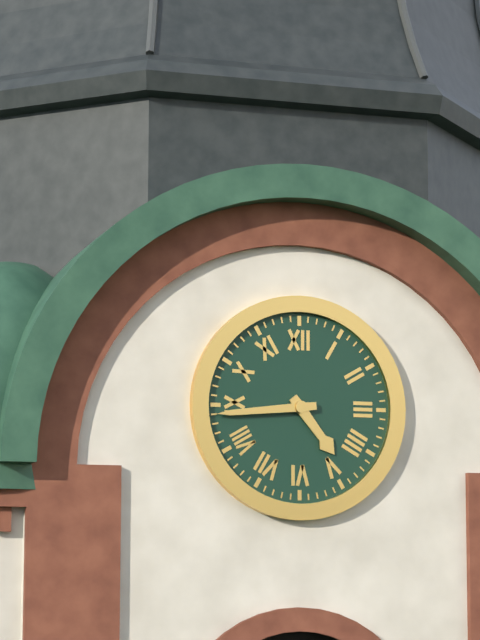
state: 4:44
